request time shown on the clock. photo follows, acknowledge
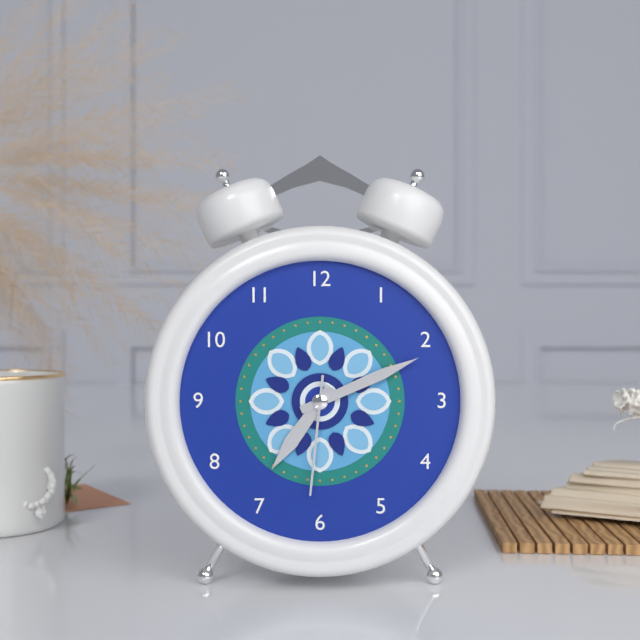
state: 7:11:31
